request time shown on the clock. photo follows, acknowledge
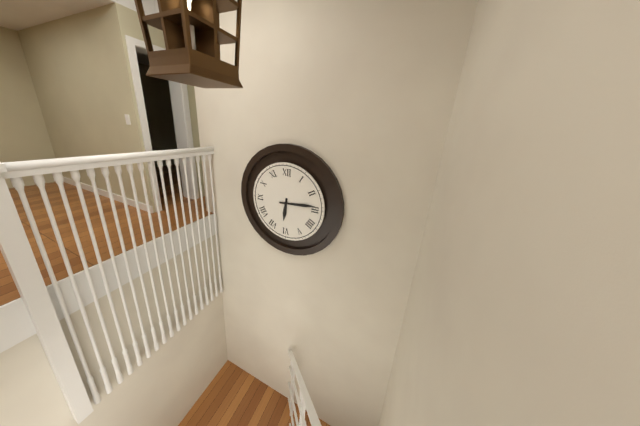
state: 6:14
